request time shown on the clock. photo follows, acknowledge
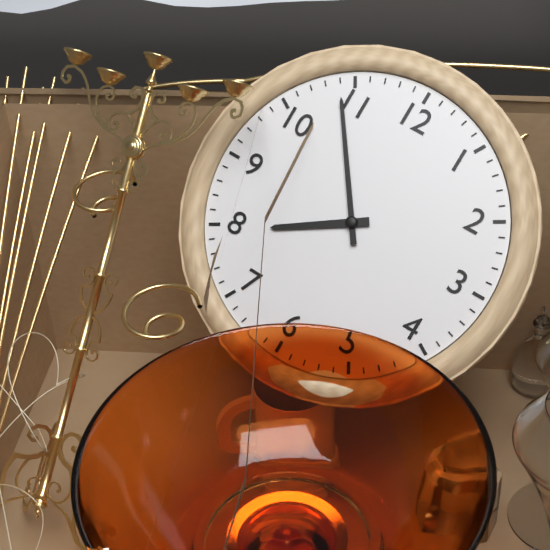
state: 7:54
